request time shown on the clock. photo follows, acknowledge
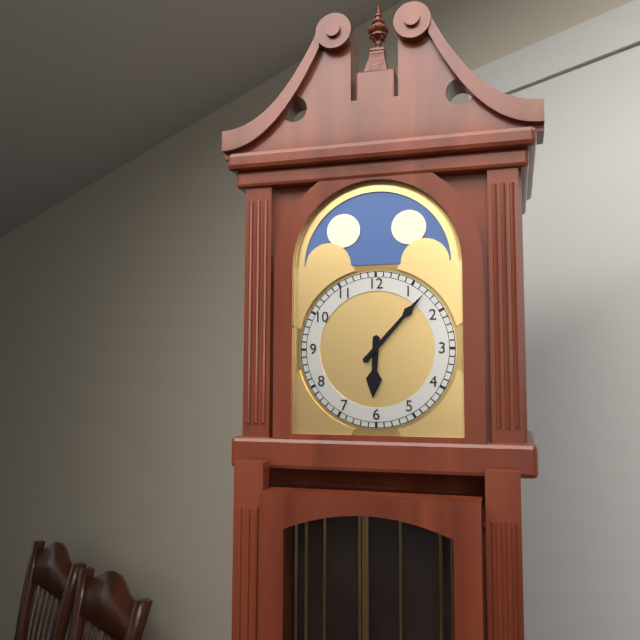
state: 6:07
